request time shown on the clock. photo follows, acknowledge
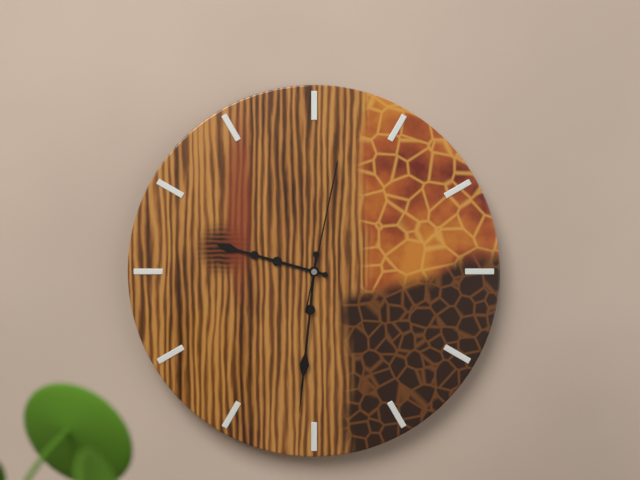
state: 9:31:02
